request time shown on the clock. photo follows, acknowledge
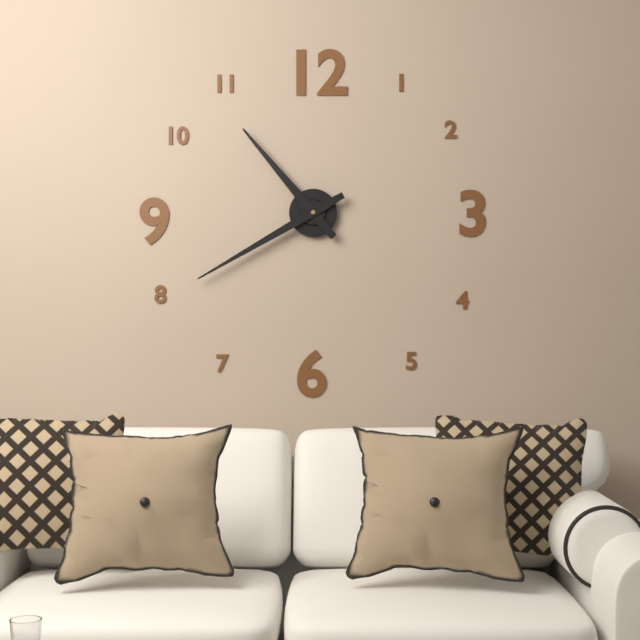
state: 10:40
